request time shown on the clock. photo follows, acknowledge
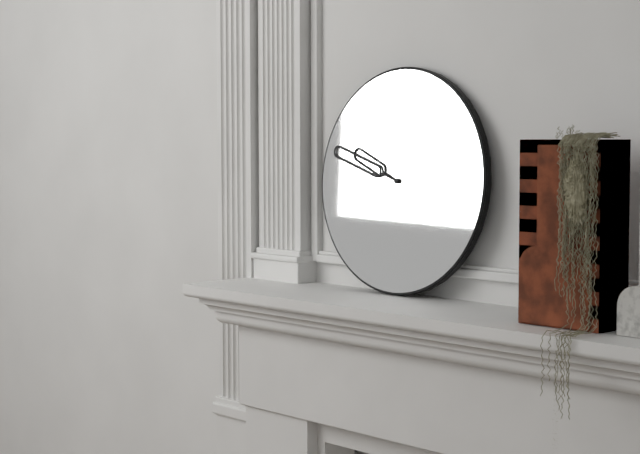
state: 9:48
